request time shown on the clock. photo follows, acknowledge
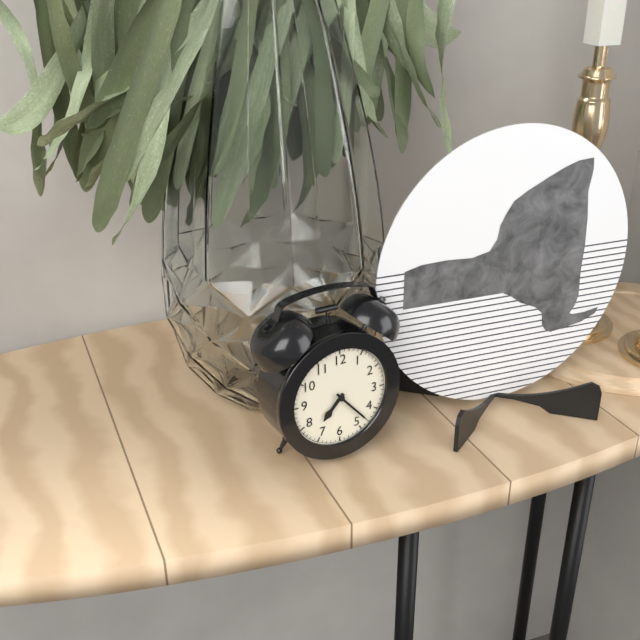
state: 7:23
